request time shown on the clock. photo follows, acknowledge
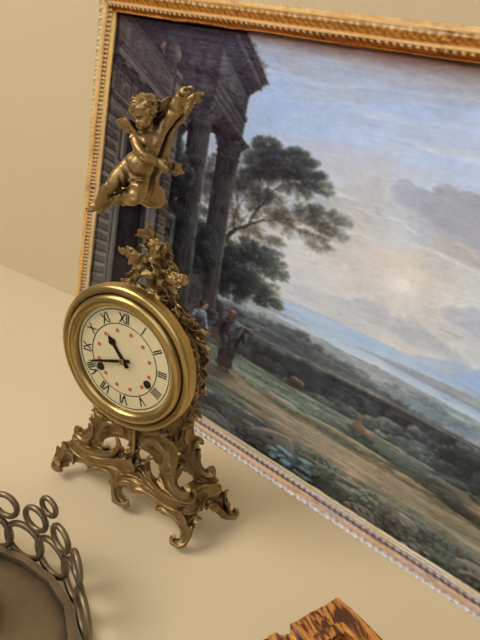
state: 10:42
